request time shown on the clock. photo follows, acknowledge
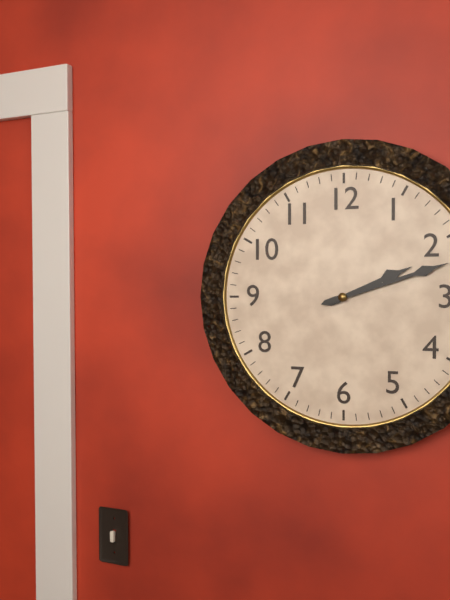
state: 2:12
